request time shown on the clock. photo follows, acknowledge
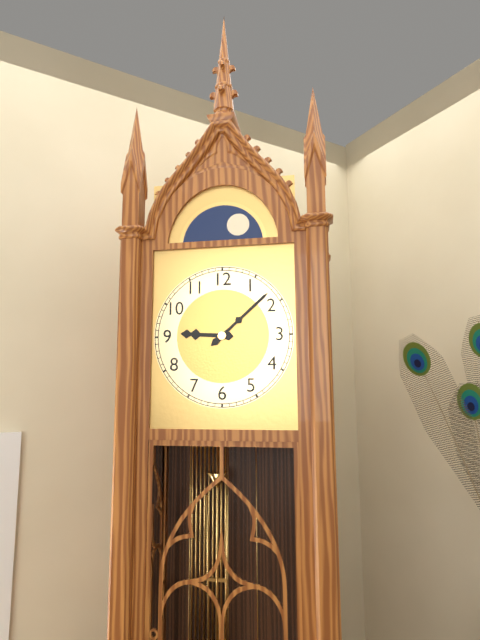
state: 9:08
